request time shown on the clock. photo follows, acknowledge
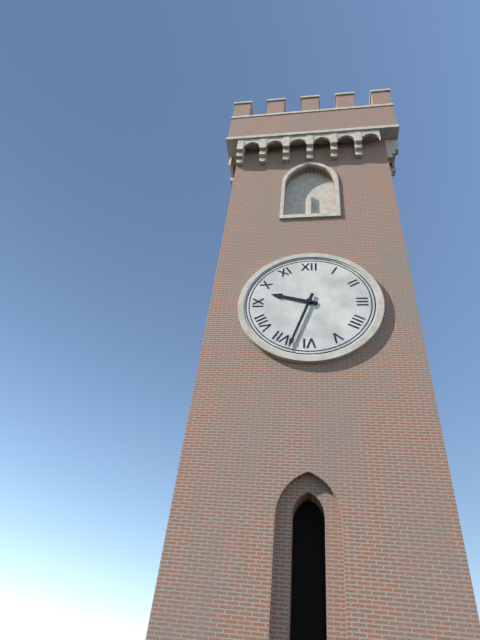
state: 9:33
